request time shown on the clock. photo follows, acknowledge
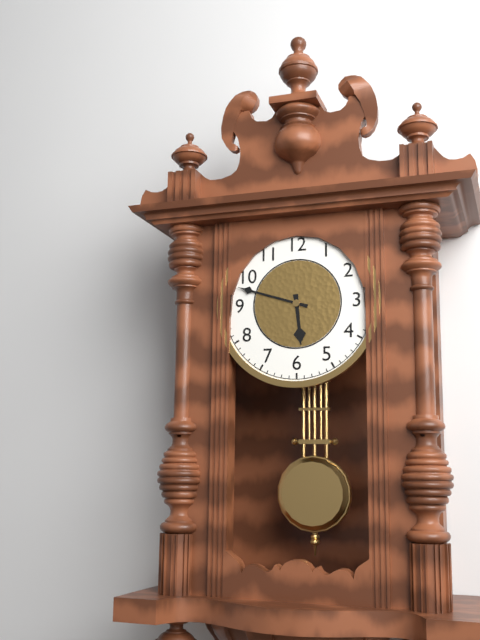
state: 5:48
